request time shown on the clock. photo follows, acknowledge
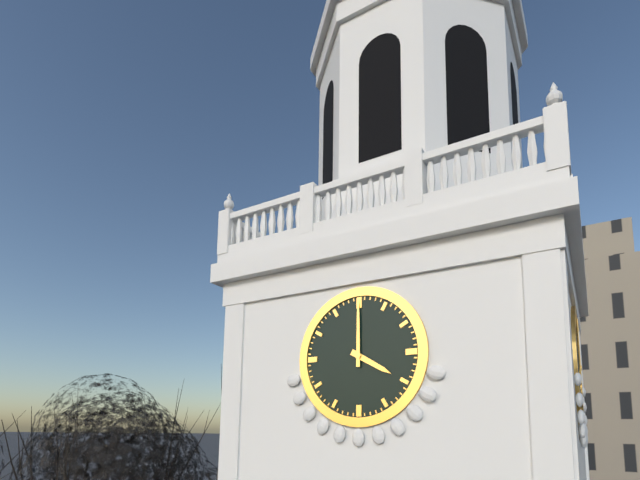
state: 4:00
